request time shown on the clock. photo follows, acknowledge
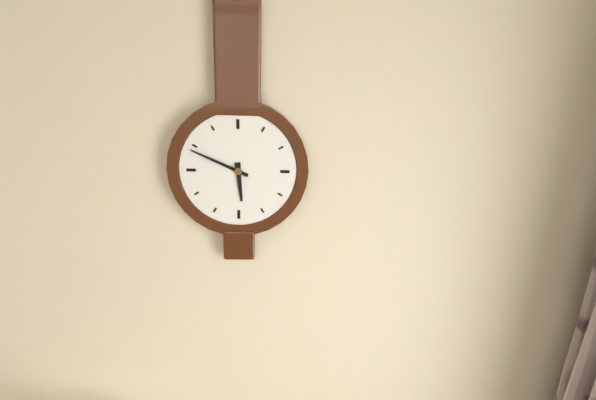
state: 5:49
